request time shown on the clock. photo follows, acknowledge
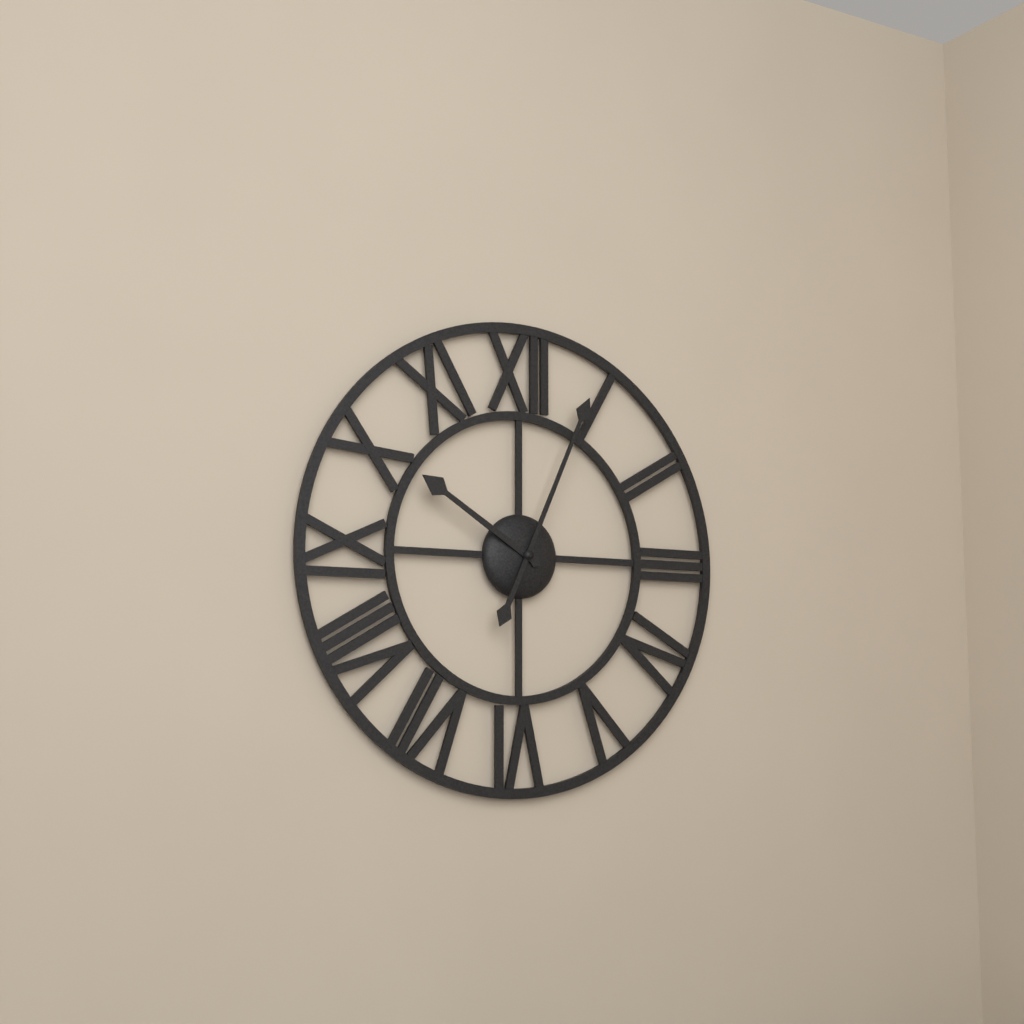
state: 10:04
